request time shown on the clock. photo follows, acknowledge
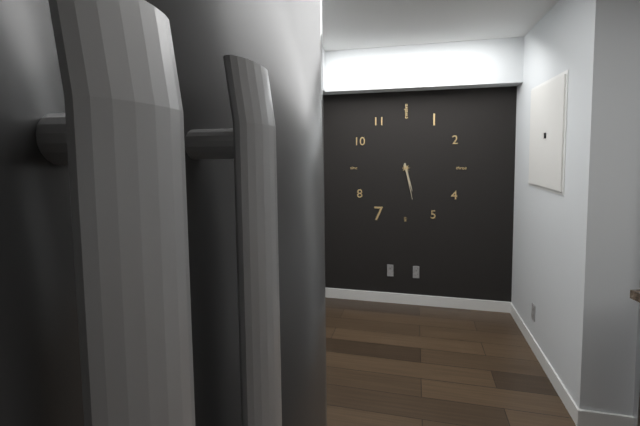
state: 5:28
